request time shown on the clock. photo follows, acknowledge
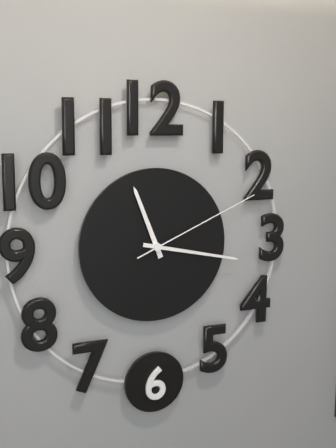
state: 11:17:11
